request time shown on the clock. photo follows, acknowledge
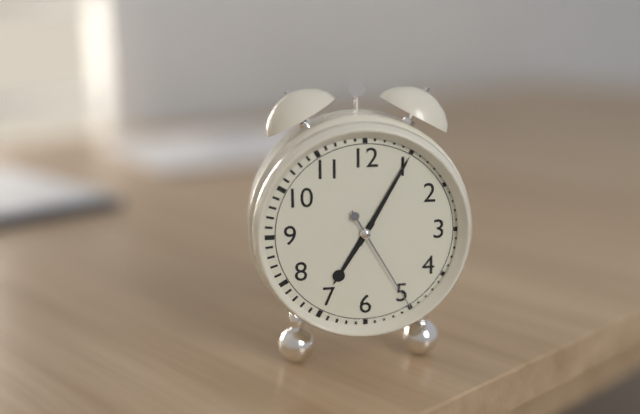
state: 7:05:25
